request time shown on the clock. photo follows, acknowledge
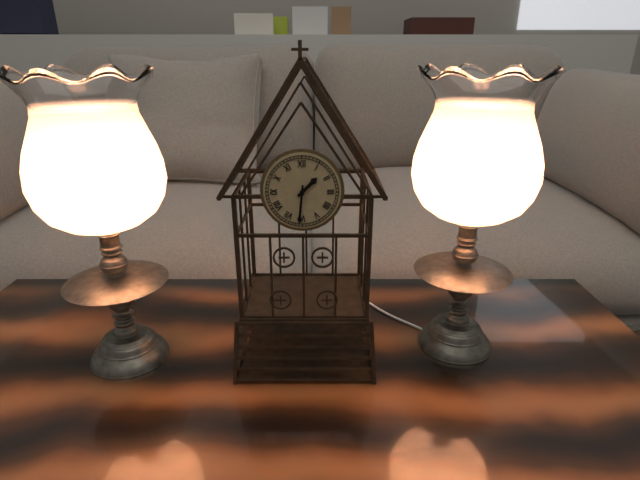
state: 1:31
